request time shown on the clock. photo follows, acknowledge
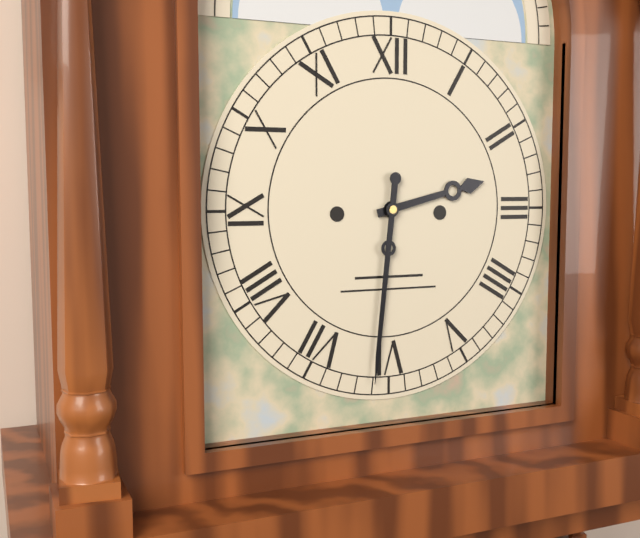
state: 2:31
